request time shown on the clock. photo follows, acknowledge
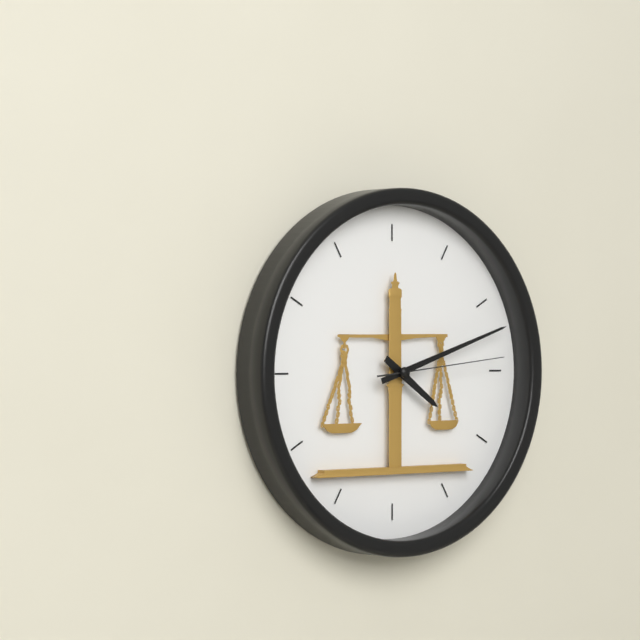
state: 4:12:14
